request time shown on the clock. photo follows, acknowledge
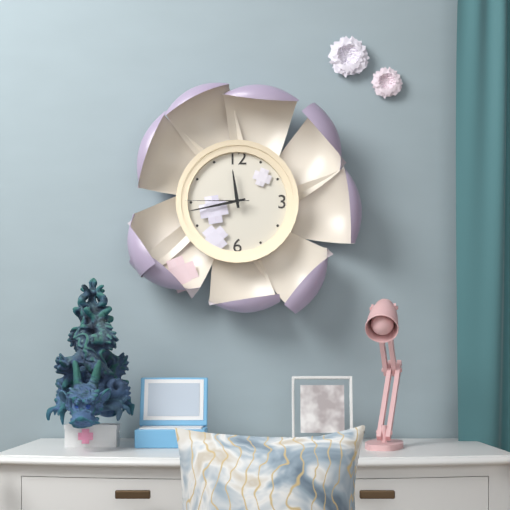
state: 11:43:45
